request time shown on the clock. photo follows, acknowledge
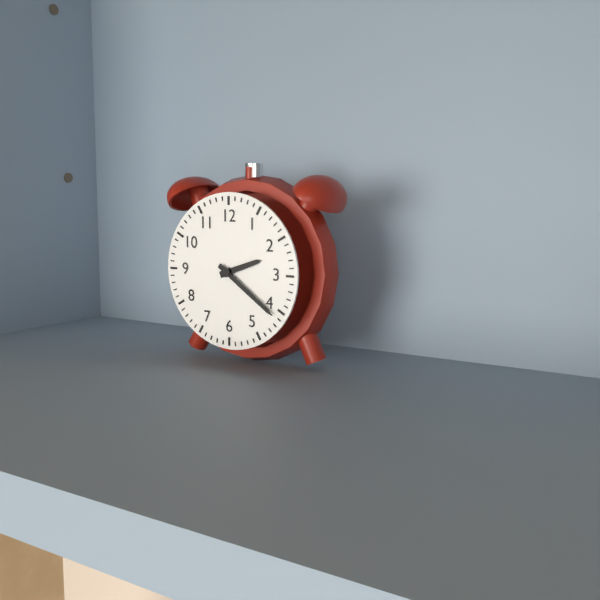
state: 2:21
